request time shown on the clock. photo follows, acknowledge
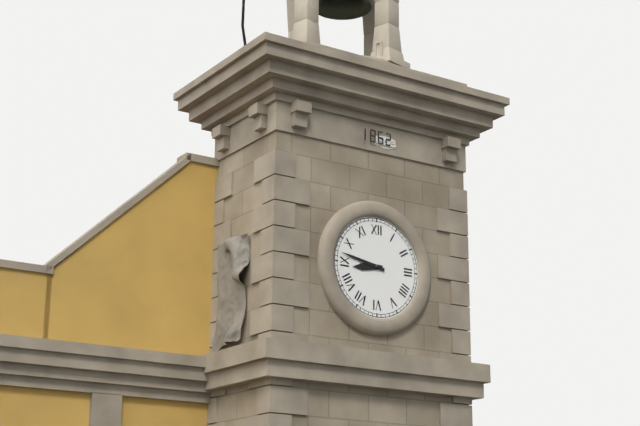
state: 8:47
